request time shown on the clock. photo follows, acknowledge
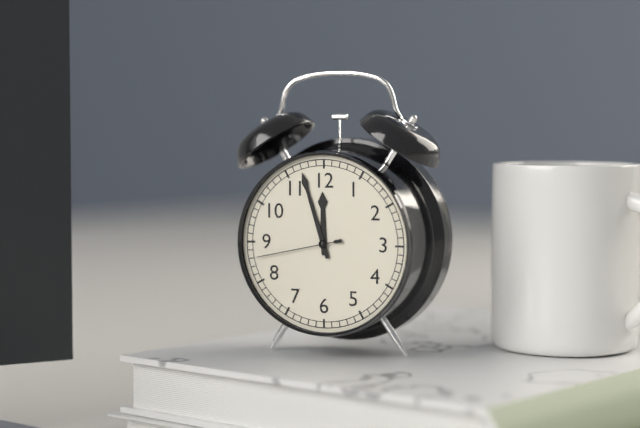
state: 11:57:43
